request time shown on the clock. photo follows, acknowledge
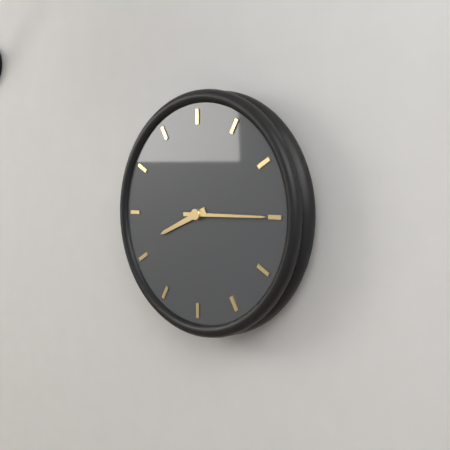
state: 8:15
